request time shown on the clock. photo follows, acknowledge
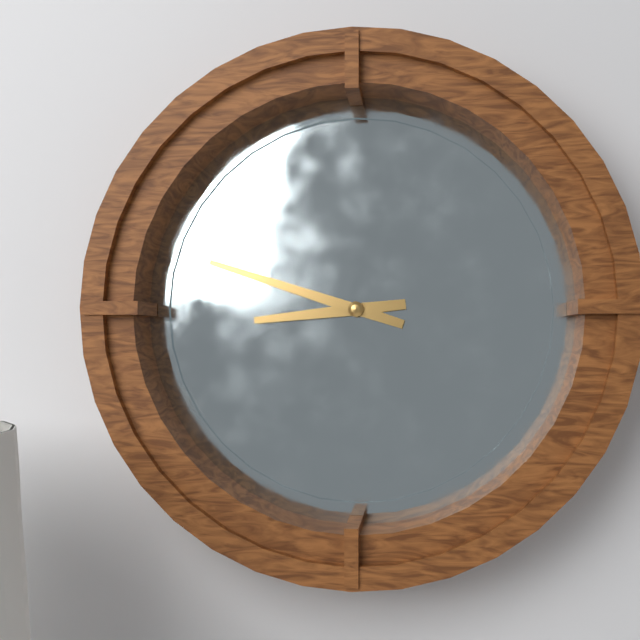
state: 8:48
